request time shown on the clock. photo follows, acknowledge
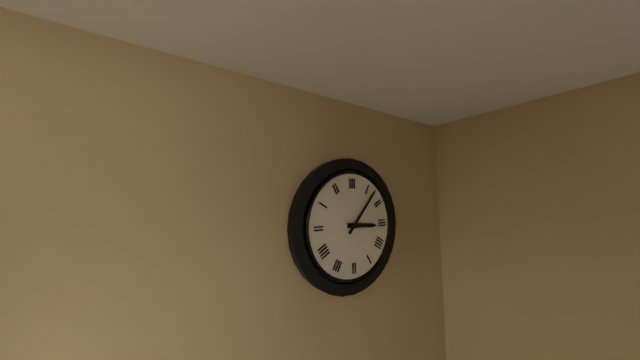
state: 3:07
